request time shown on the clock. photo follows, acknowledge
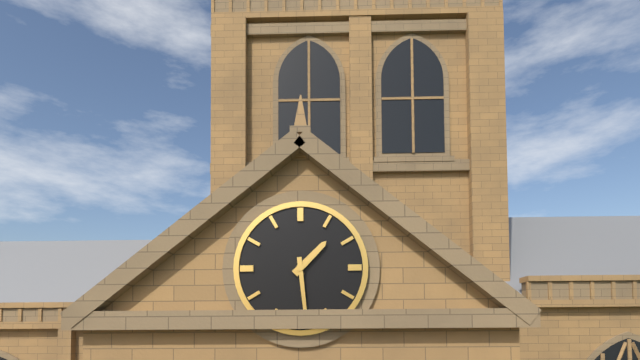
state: 1:29
